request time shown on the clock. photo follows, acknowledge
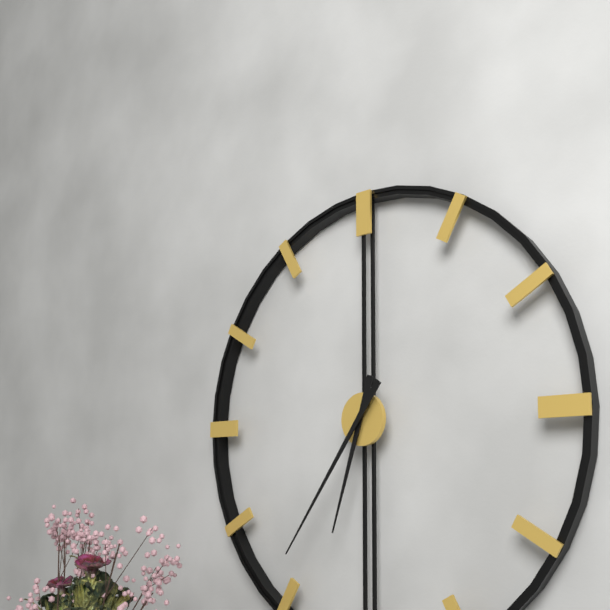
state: 6:36
